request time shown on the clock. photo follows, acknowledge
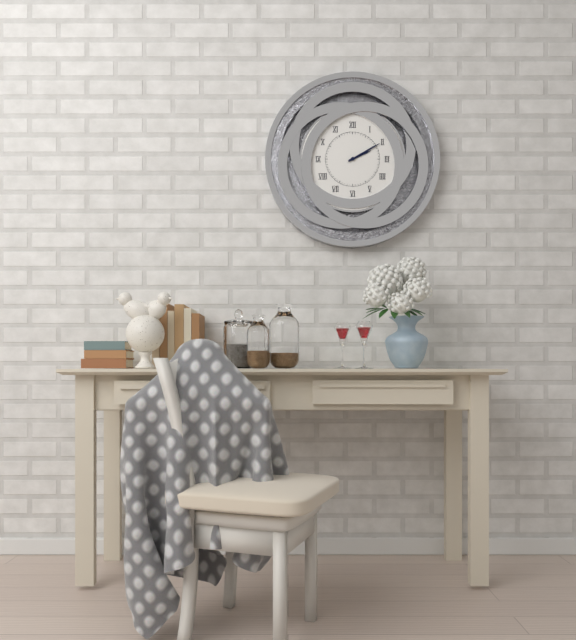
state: 2:10
